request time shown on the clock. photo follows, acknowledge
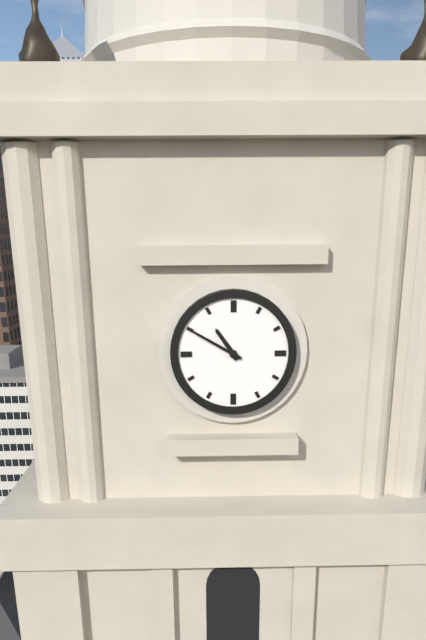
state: 10:50
